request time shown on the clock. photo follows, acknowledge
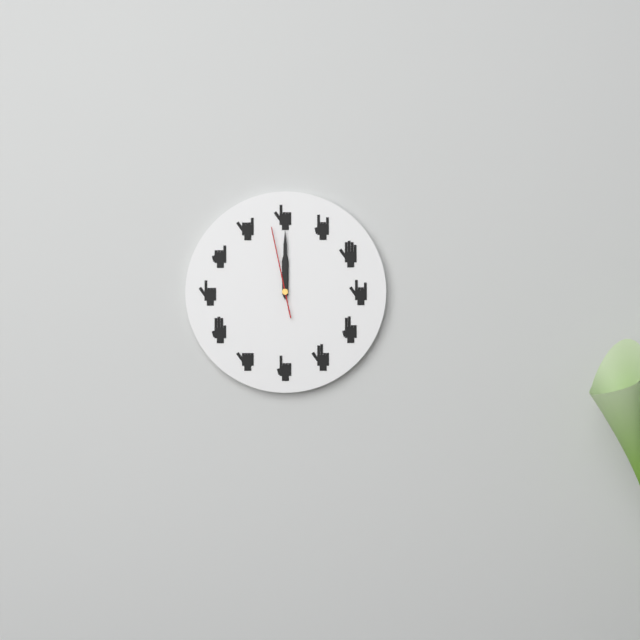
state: 12:00:58
